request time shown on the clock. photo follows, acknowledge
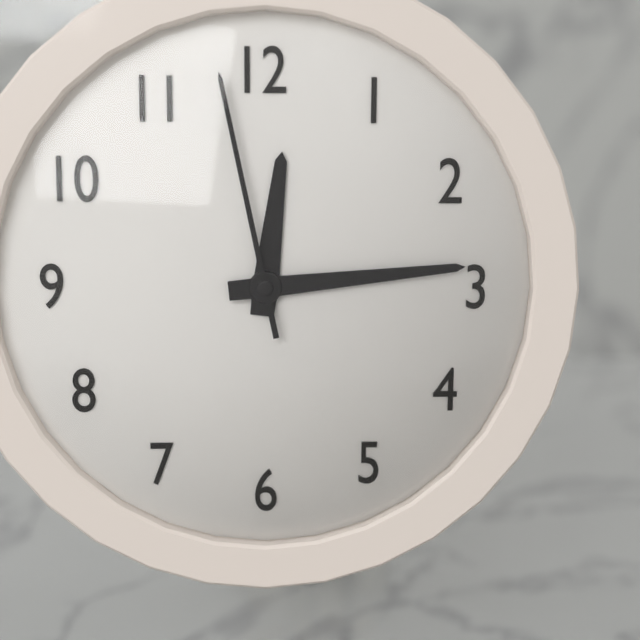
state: 12:14:58
